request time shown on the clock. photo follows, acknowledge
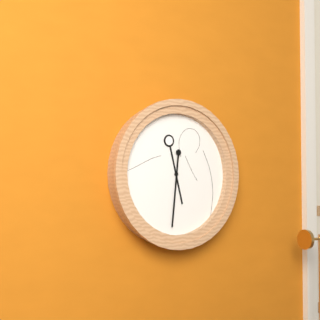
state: 5:31
